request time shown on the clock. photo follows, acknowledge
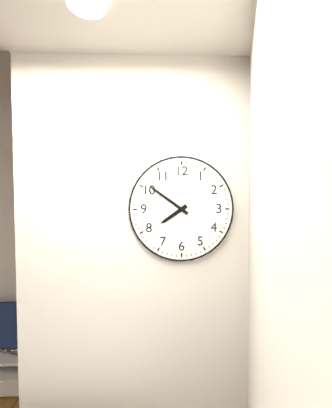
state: 7:51
